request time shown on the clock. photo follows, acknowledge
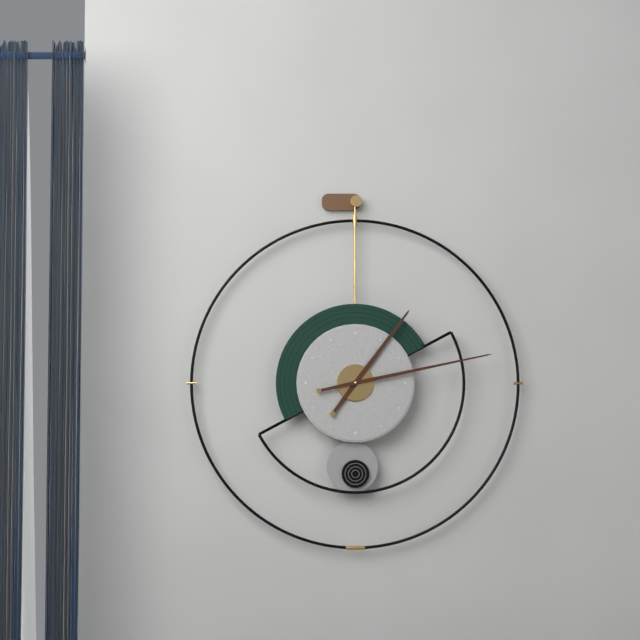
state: 1:13
